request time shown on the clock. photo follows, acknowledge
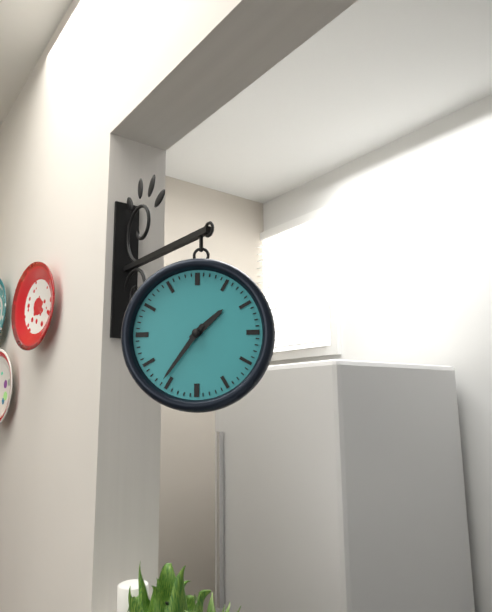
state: 1:36
